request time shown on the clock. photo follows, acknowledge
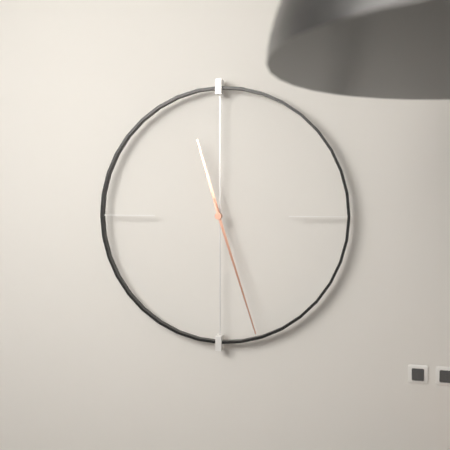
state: 11:27
